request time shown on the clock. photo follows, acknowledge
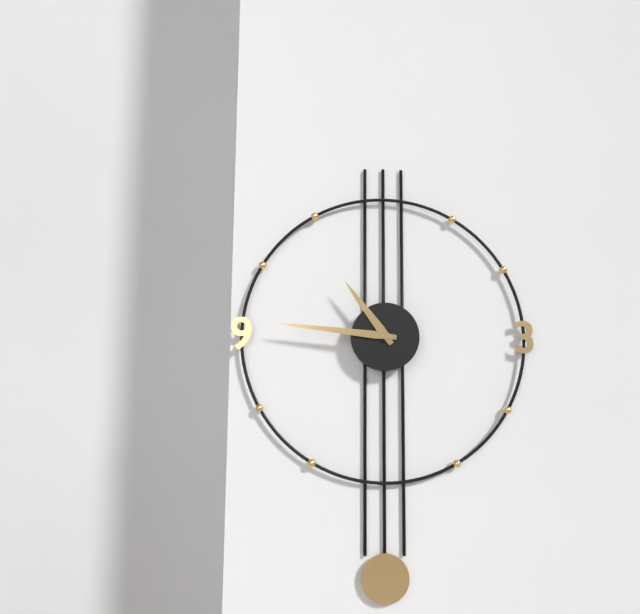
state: 10:46
